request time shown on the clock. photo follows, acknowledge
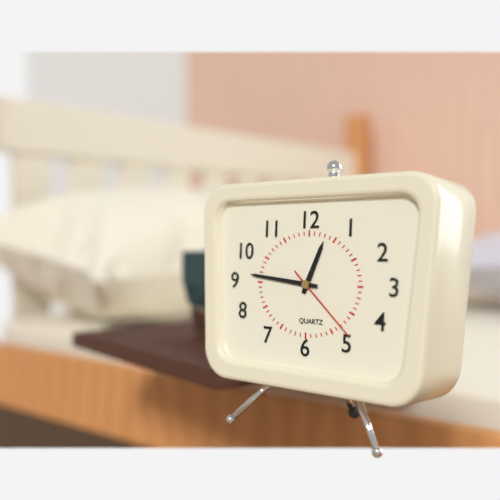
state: 12:46:22
